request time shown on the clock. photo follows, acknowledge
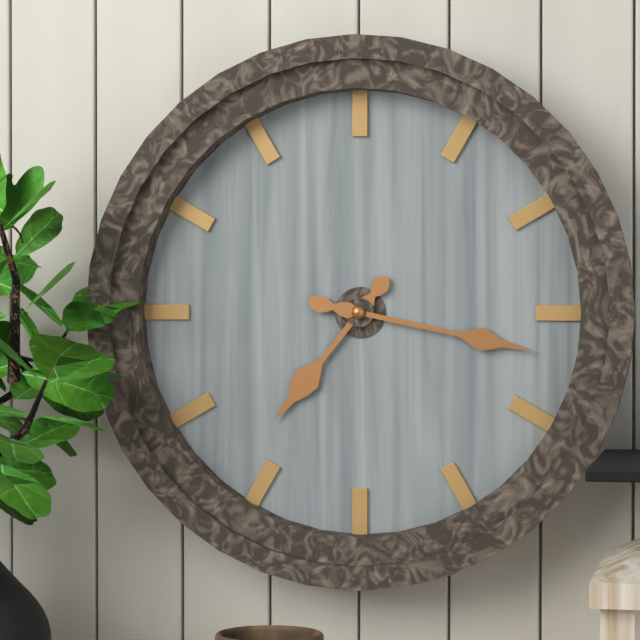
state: 7:17
